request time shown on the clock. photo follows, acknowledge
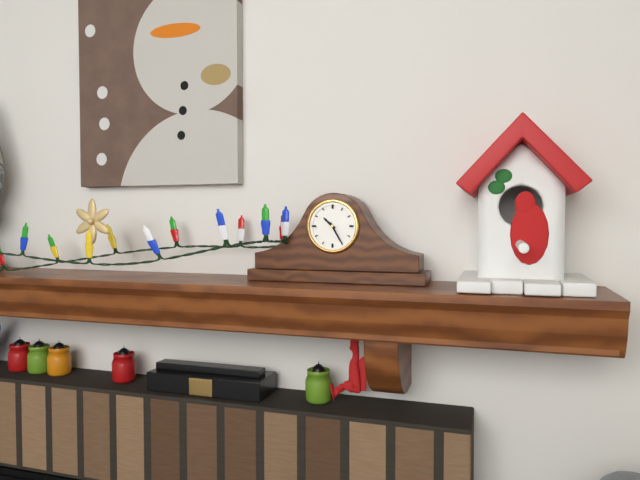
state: 10:25
